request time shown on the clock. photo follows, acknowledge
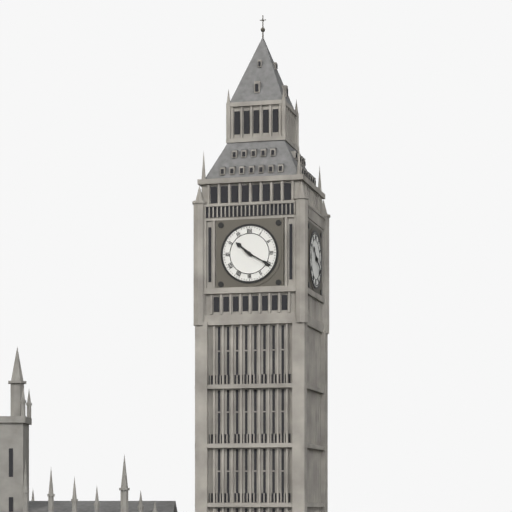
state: 10:20
